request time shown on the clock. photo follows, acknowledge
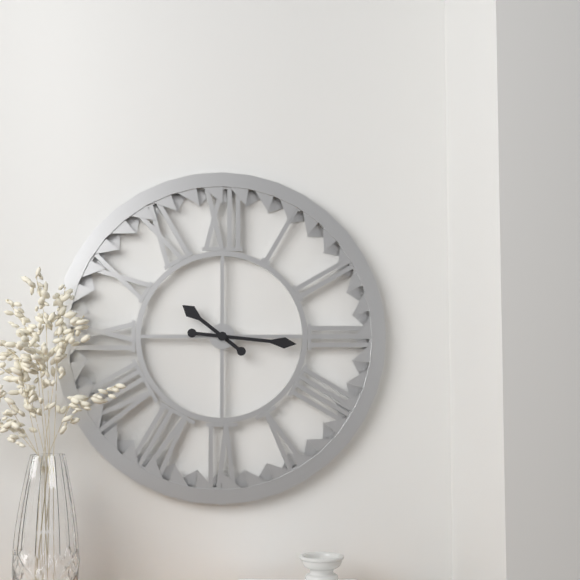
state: 10:16
